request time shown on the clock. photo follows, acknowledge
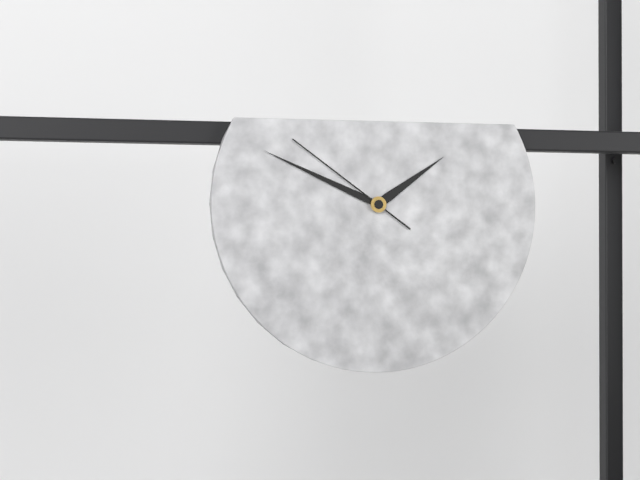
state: 1:49:51
